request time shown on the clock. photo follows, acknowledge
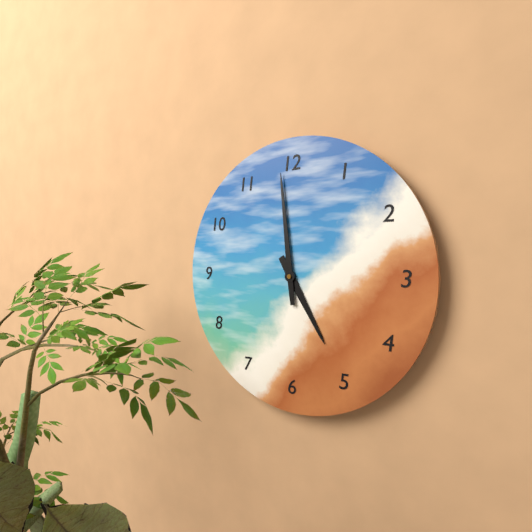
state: 4:59
